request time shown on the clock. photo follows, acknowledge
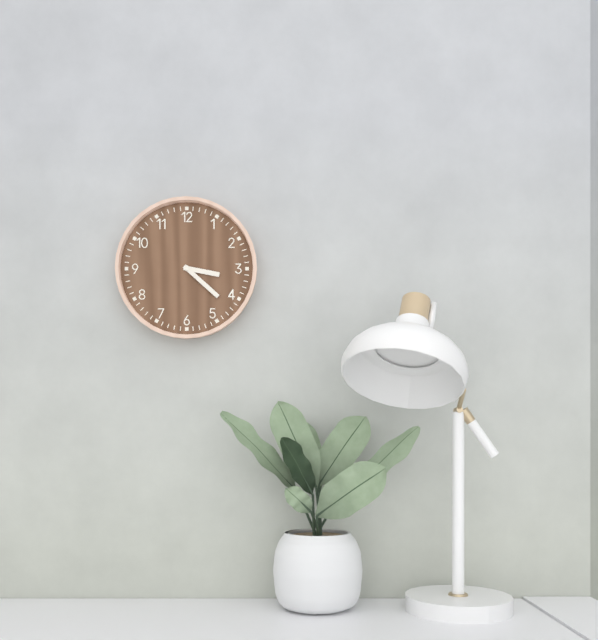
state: 3:22
